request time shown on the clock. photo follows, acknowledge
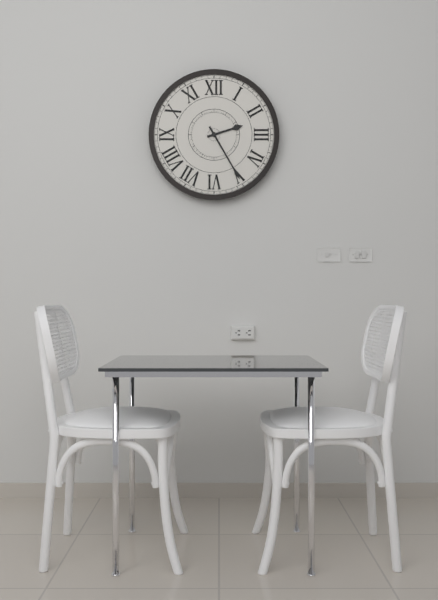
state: 2:25
